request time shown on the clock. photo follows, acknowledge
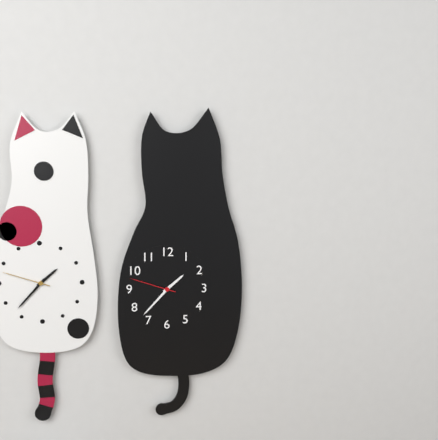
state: 1:37
